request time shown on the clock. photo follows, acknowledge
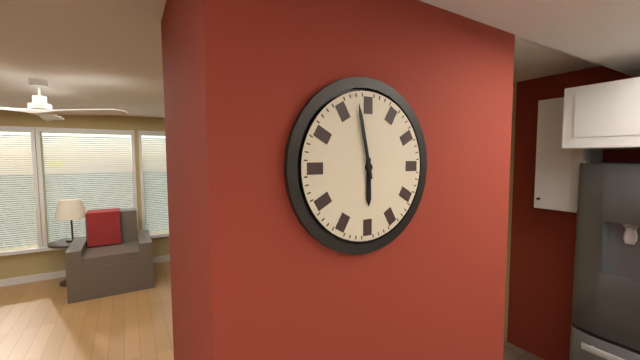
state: 5:58
